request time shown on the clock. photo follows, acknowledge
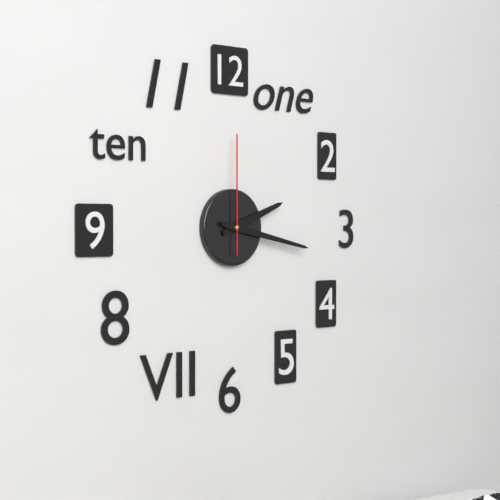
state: 2:17:00
